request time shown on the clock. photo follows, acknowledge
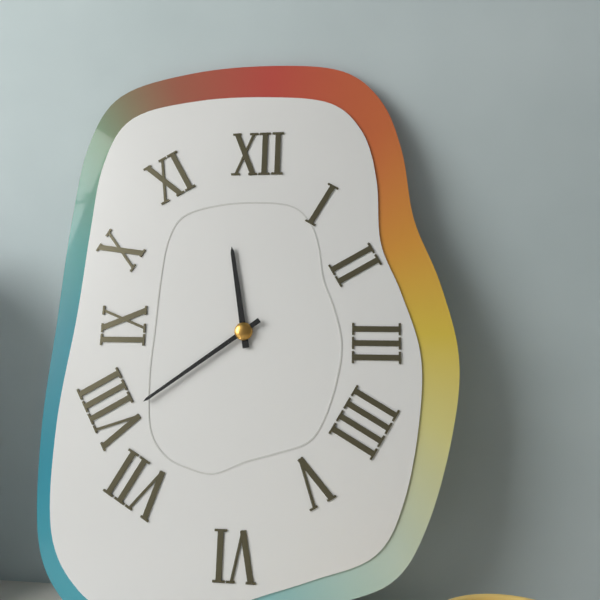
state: 11:39
